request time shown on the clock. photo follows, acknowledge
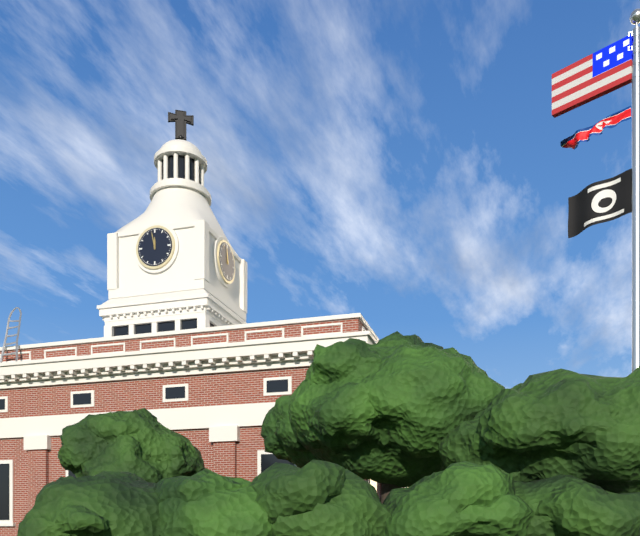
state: 11:58
